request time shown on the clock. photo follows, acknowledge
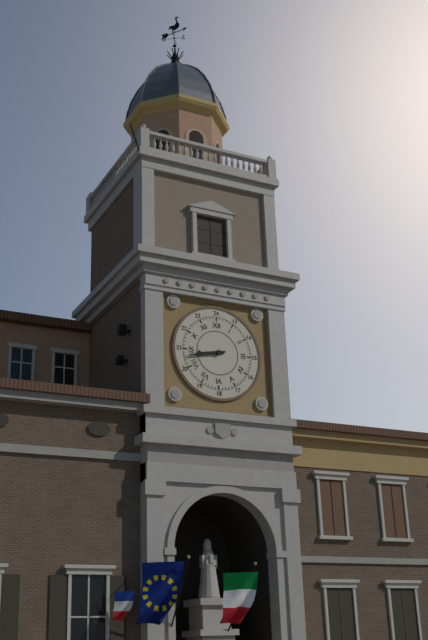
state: 8:43
